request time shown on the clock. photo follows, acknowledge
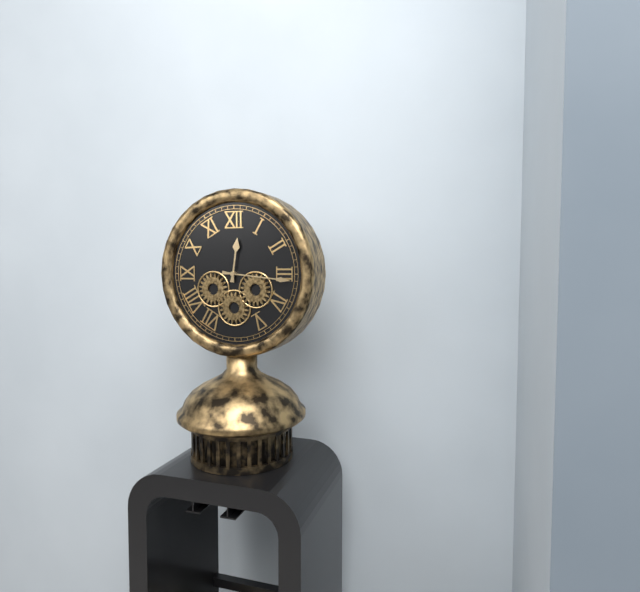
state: 12:16
